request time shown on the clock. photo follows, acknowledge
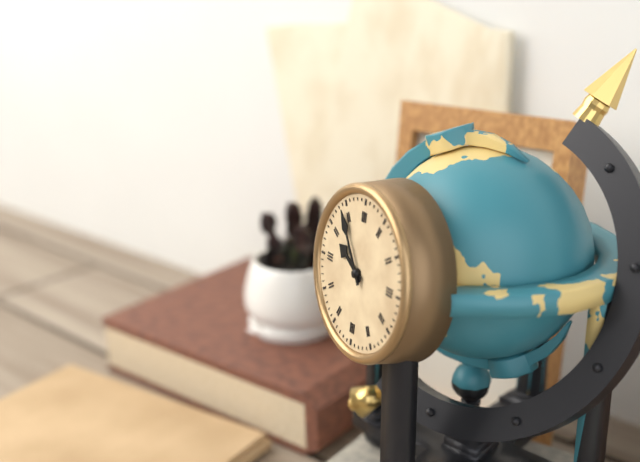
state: 9:54
